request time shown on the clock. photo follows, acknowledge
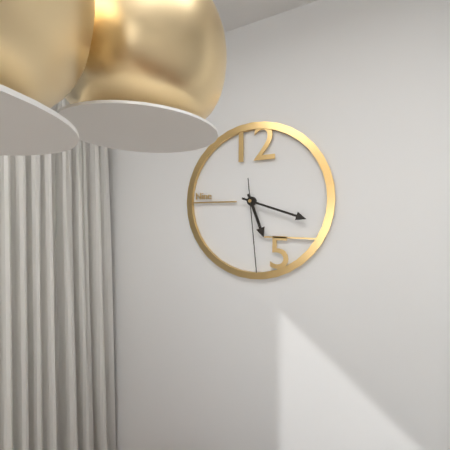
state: 5:18:29
